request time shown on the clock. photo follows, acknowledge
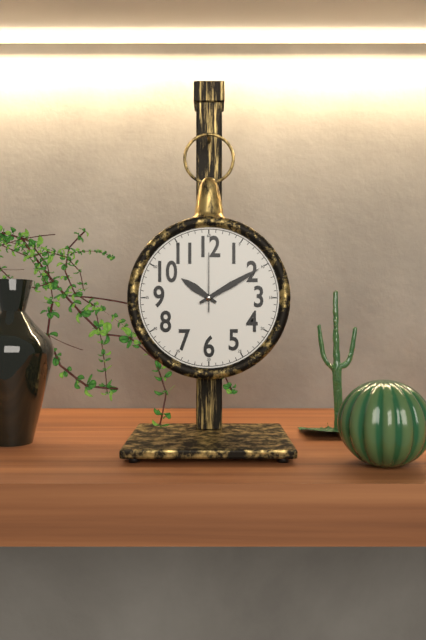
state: 10:10:00
